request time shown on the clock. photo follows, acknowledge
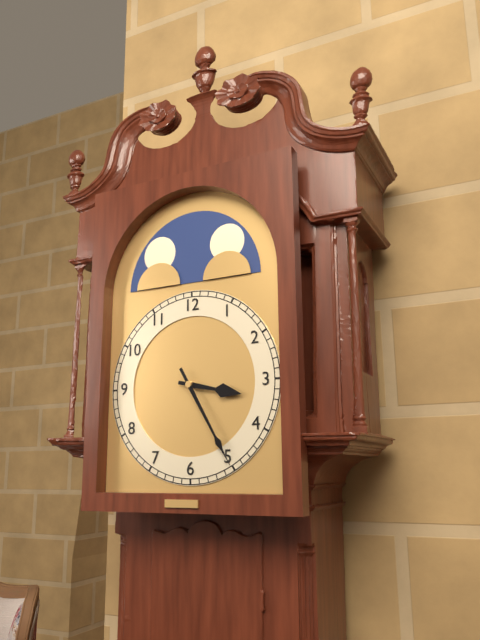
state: 3:25
